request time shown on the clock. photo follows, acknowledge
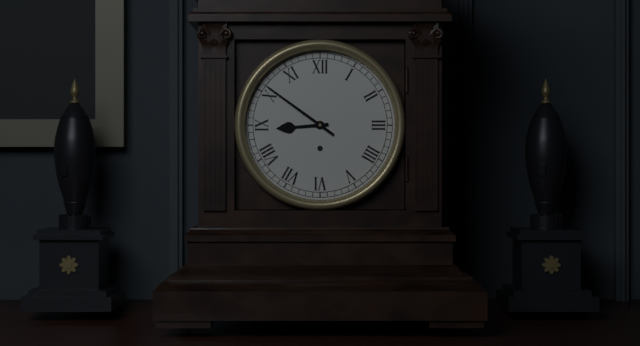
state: 8:51
